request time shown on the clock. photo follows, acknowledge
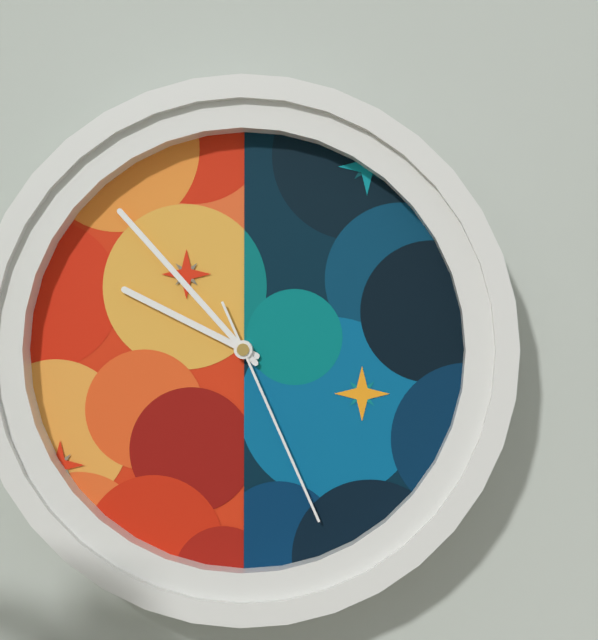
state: 9:53:26
